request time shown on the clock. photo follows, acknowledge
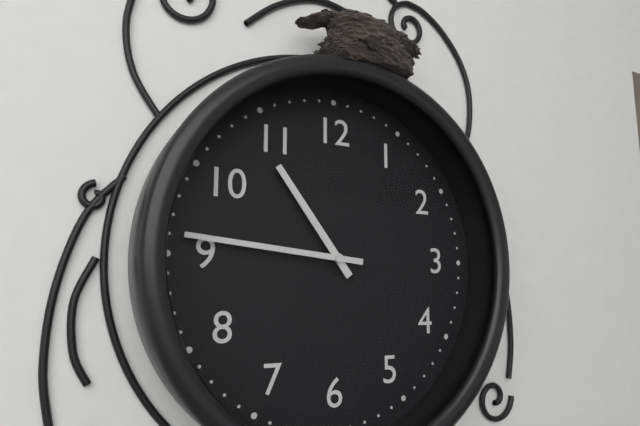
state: 10:46
